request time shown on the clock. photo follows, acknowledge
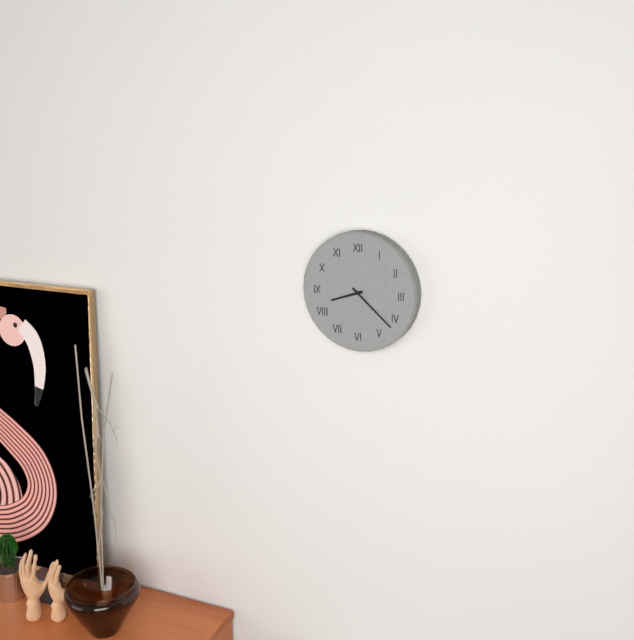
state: 8:22
